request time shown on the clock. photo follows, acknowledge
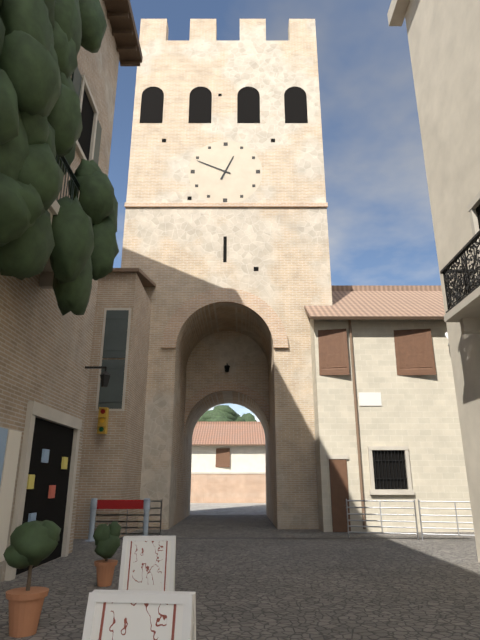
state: 12:49
